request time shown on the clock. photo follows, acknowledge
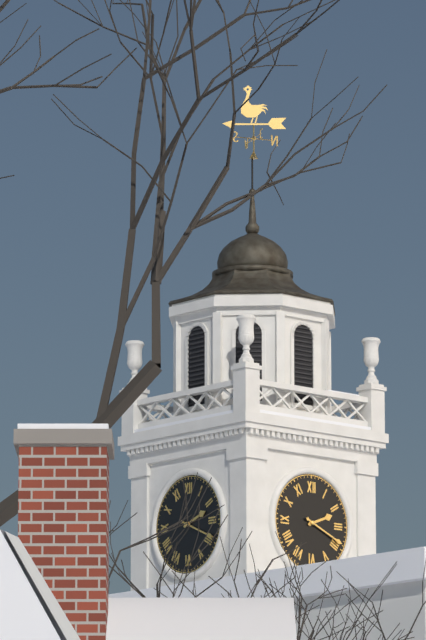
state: 2:19
